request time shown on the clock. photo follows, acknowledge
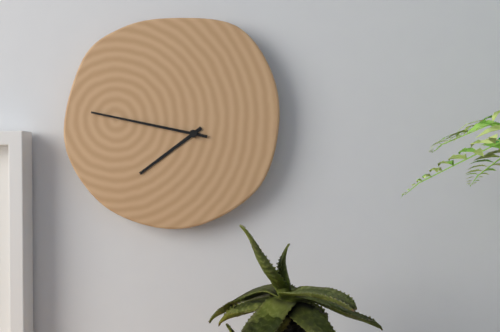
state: 7:47
